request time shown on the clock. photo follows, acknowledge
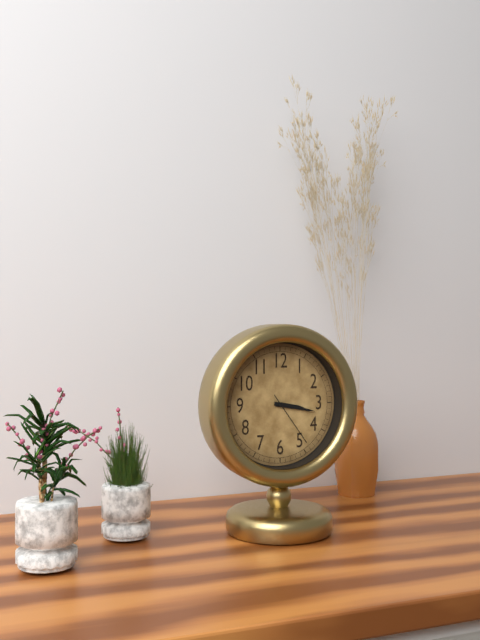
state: 3:17:24
